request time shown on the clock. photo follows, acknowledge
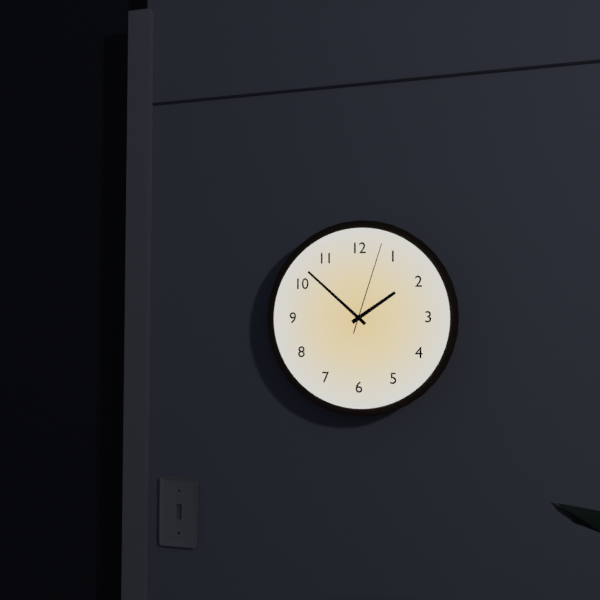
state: 1:52:03
